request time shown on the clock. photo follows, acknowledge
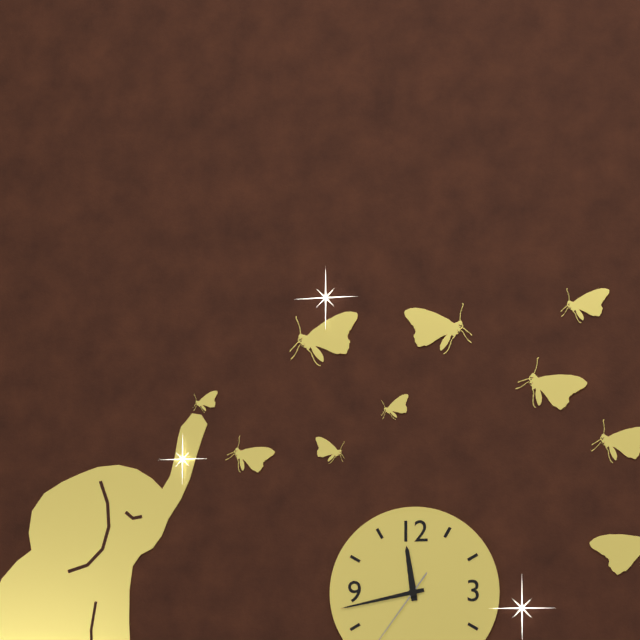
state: 11:43
